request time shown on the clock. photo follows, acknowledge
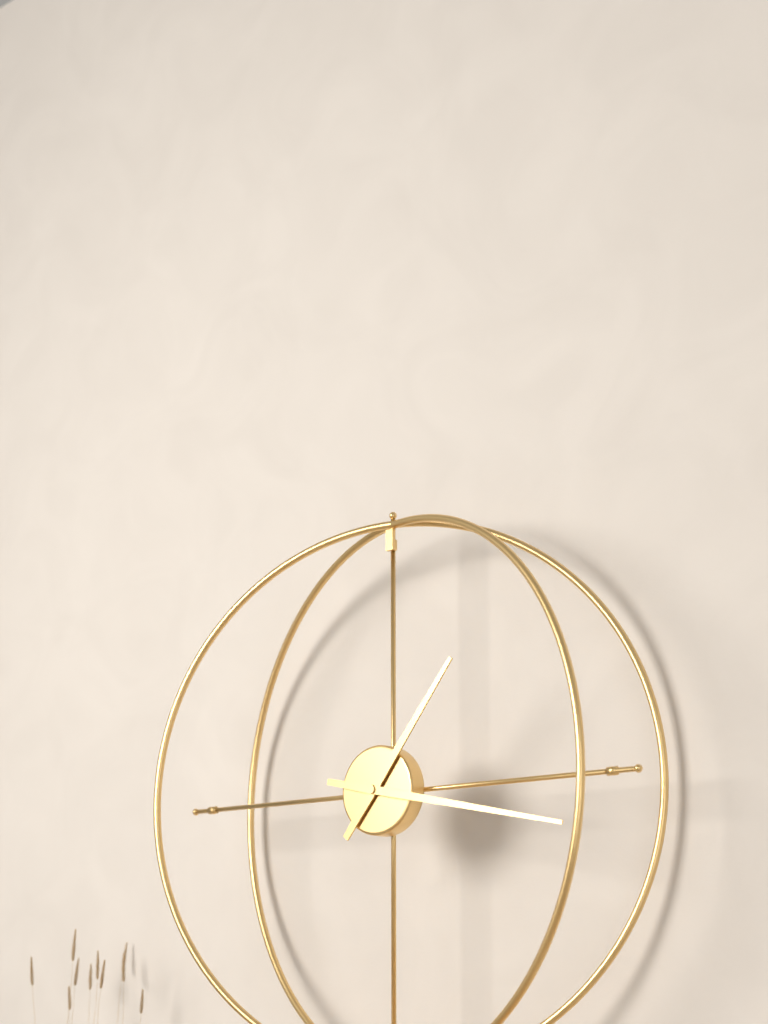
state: 1:17
